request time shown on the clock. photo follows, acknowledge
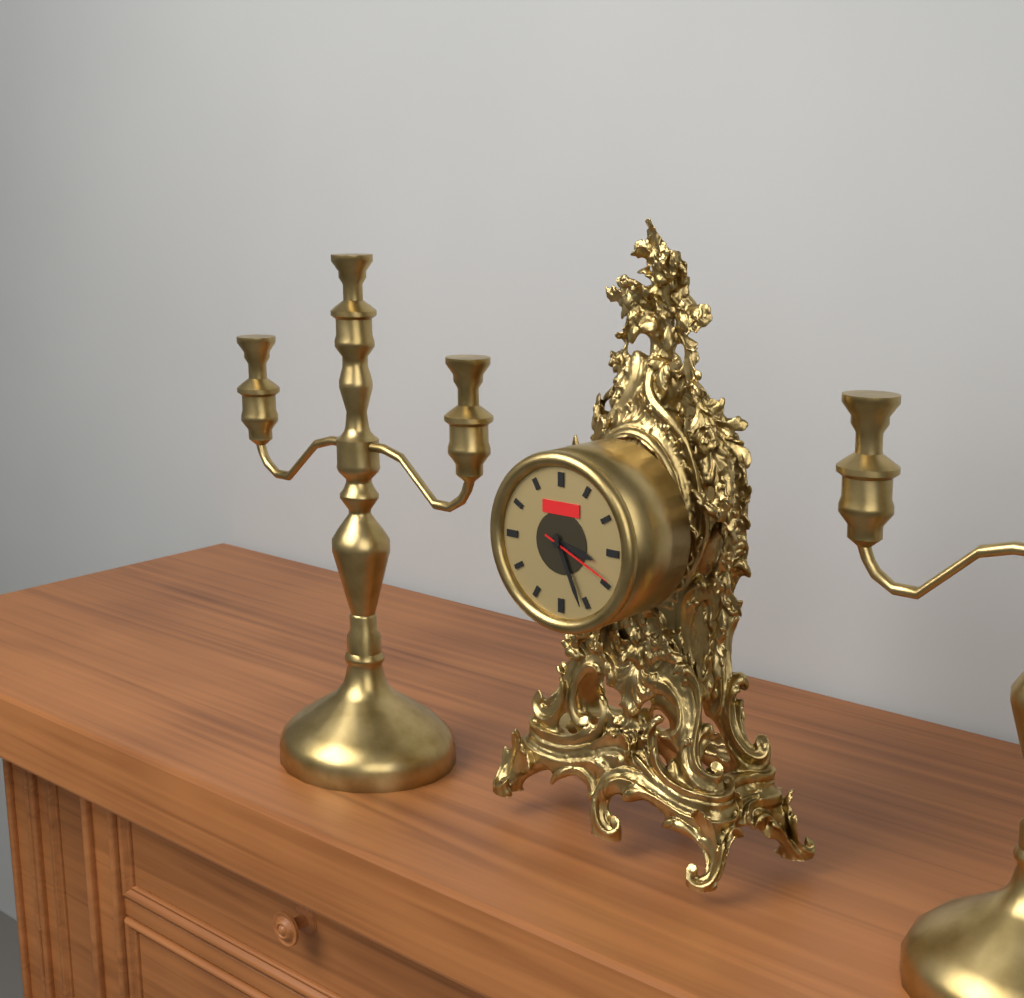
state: 3:26:19
